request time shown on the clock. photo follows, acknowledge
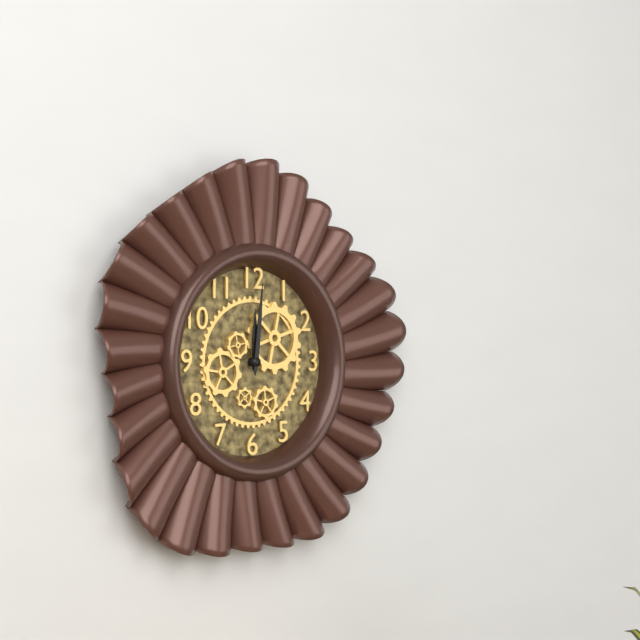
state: 12:01
